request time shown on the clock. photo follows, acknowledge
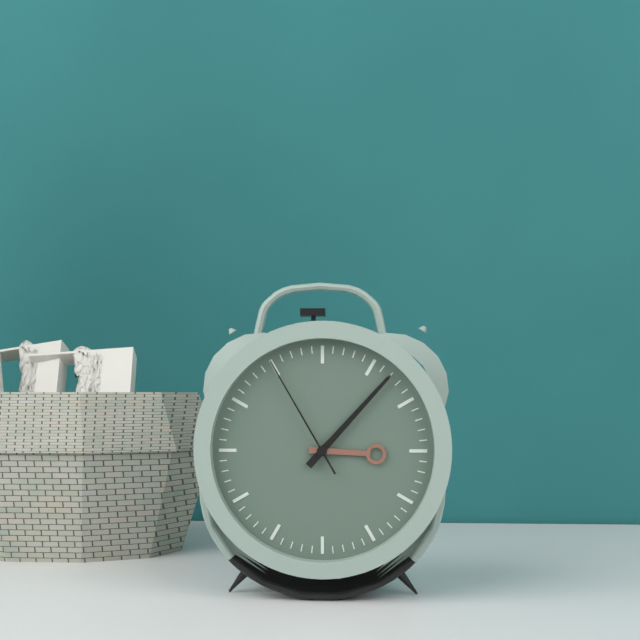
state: 3:07:55
